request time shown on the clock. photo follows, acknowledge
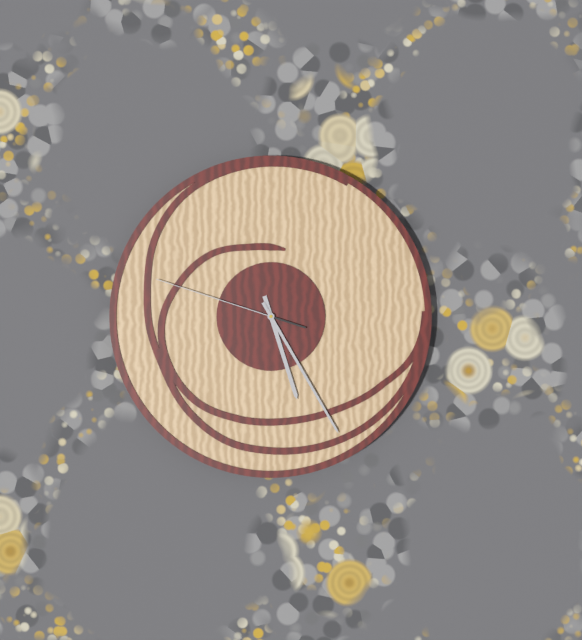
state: 5:25:48
